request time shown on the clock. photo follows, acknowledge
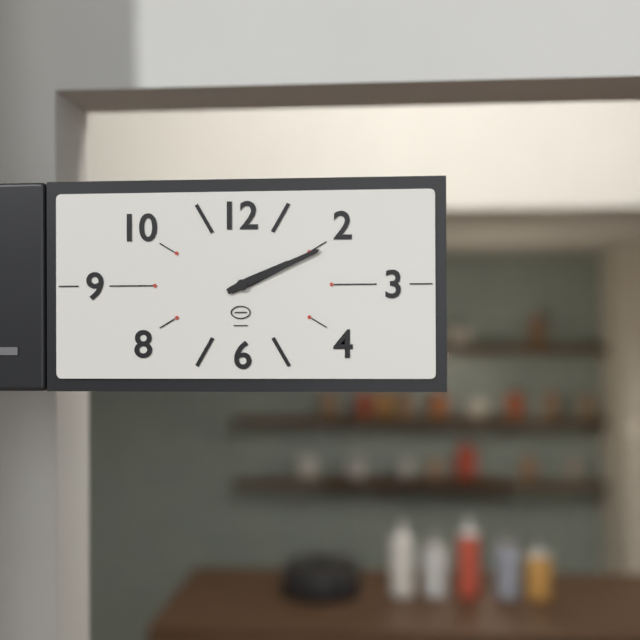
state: 2:11
